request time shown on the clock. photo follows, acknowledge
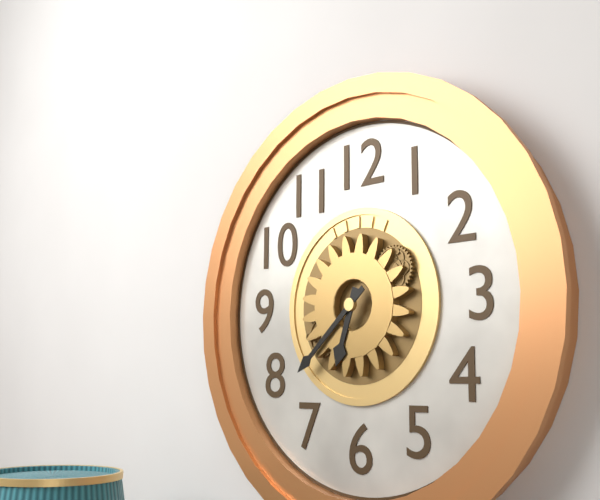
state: 6:38
